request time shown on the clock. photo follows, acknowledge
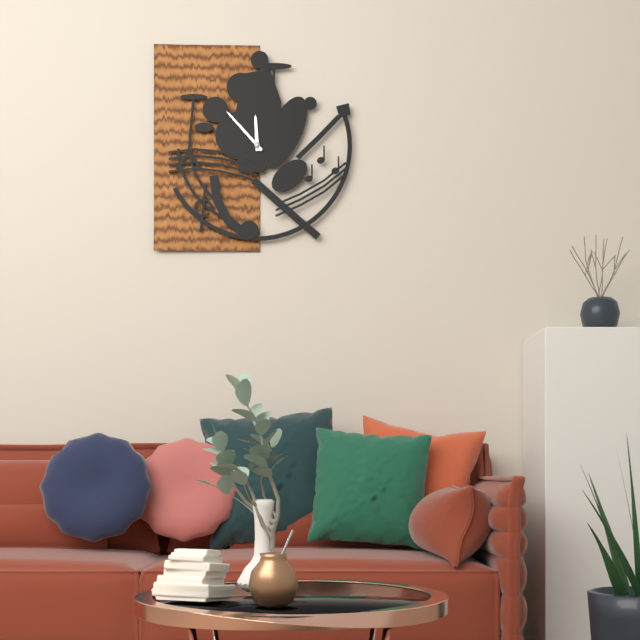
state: 11:53
